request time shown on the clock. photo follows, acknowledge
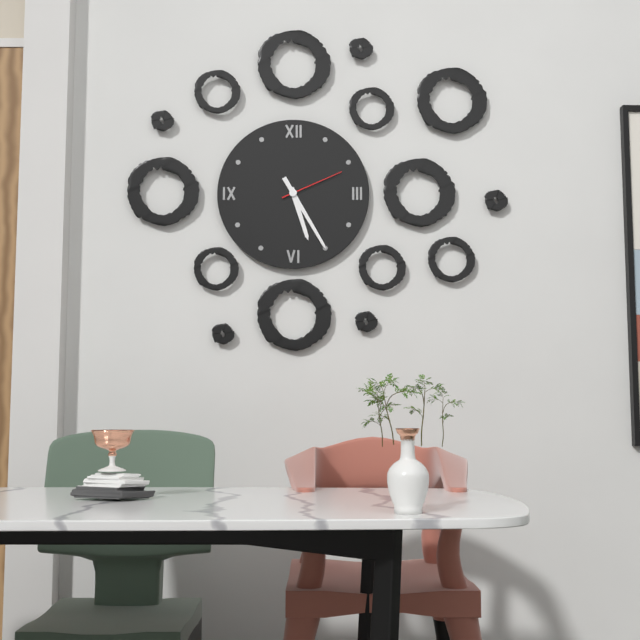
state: 5:25:11
